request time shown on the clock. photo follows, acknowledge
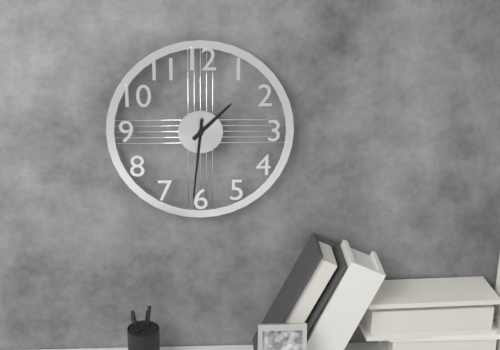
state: 1:31
